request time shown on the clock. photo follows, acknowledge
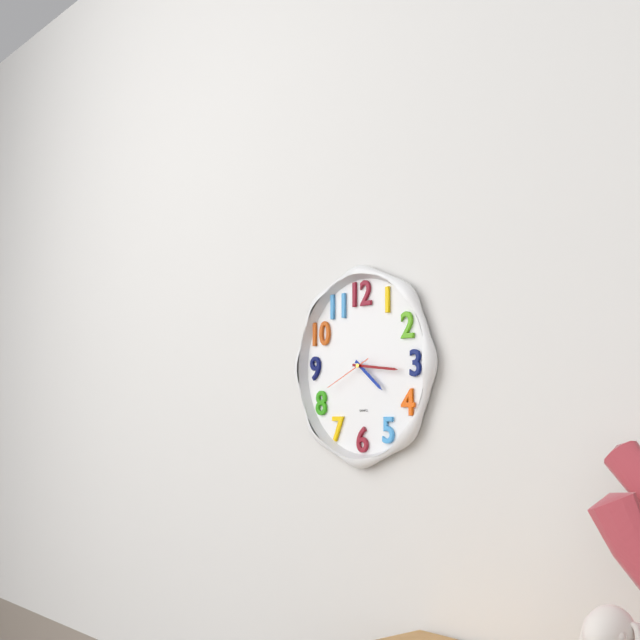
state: 4:16
